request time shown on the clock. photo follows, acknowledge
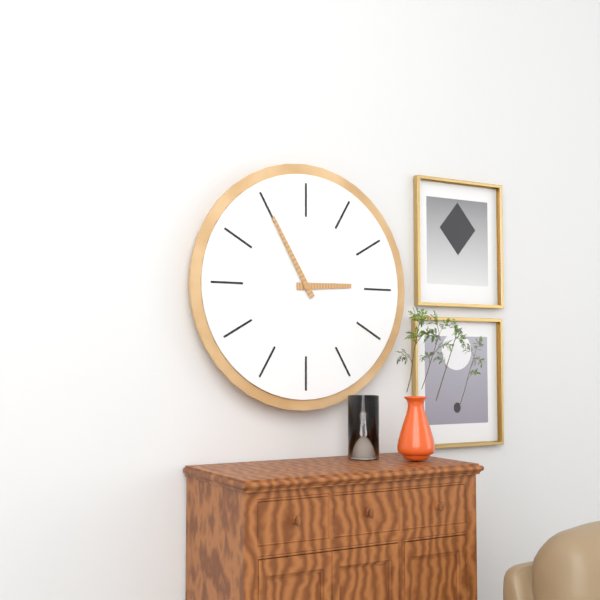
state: 2:55
